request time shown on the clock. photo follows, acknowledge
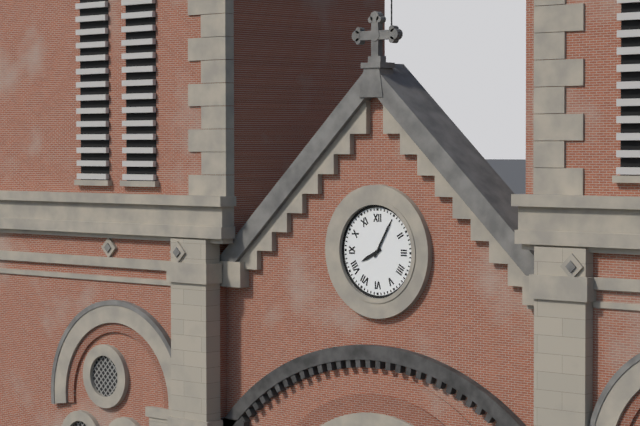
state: 8:05
